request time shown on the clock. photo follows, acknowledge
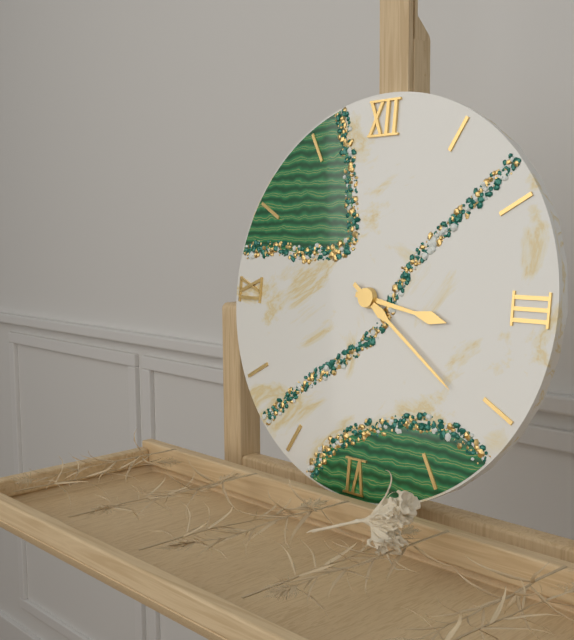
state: 3:21
